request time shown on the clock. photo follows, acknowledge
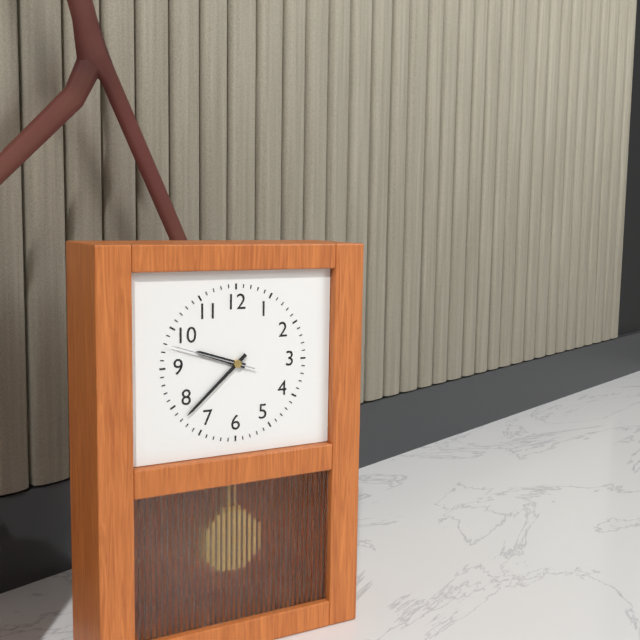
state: 9:38:48
